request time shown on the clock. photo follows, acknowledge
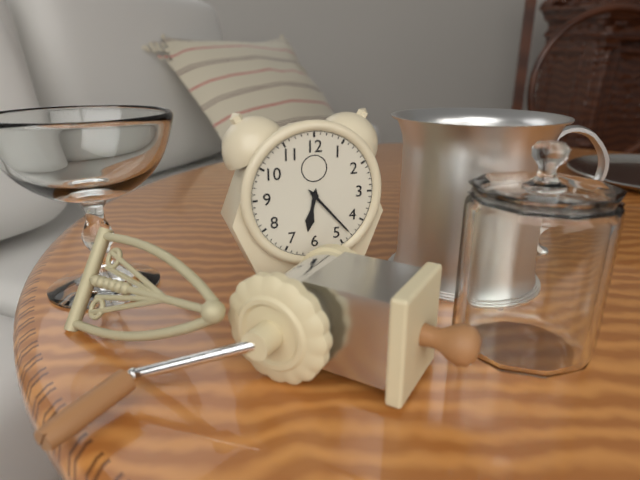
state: 6:23
